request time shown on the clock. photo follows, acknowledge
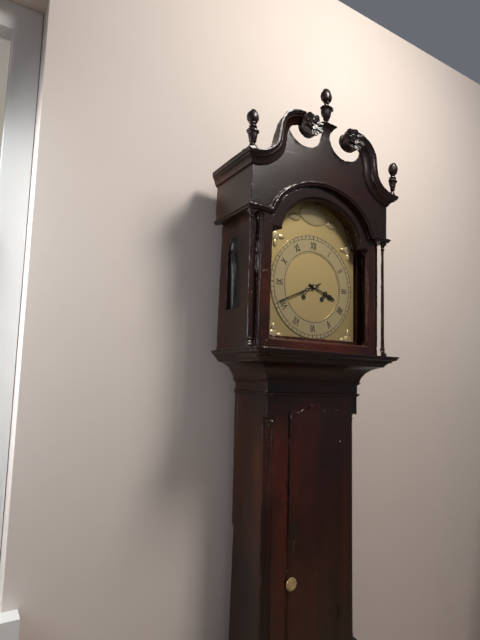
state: 3:41
